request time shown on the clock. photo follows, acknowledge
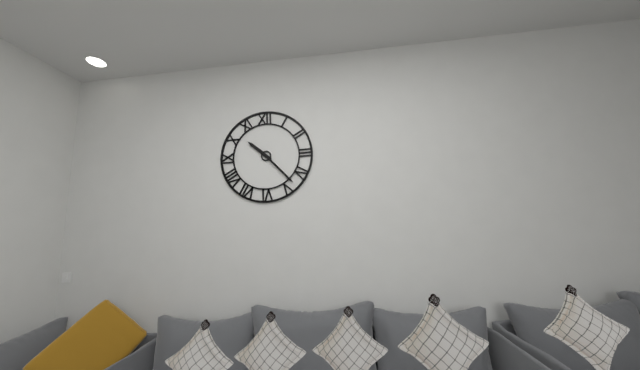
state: 10:23
